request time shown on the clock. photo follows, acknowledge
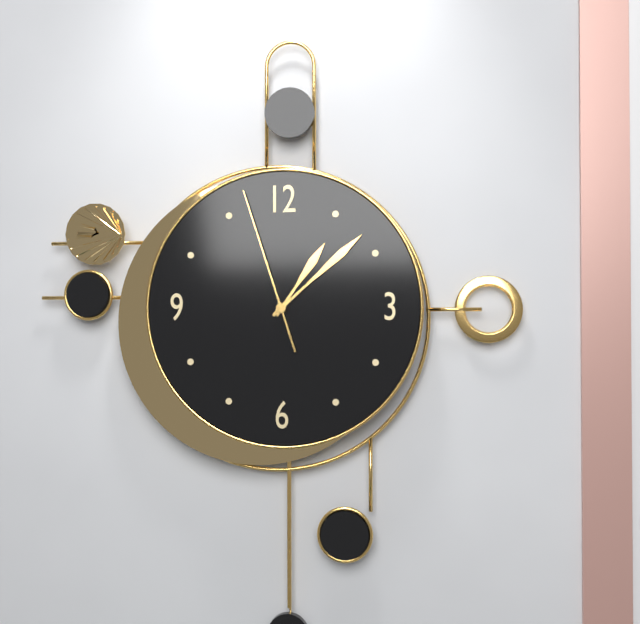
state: 1:08:57
